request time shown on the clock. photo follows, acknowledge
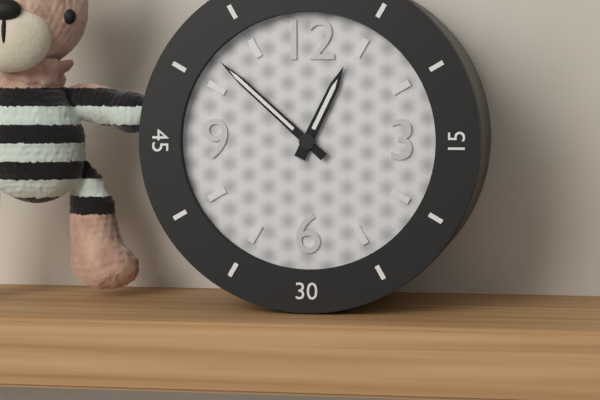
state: 12:52
